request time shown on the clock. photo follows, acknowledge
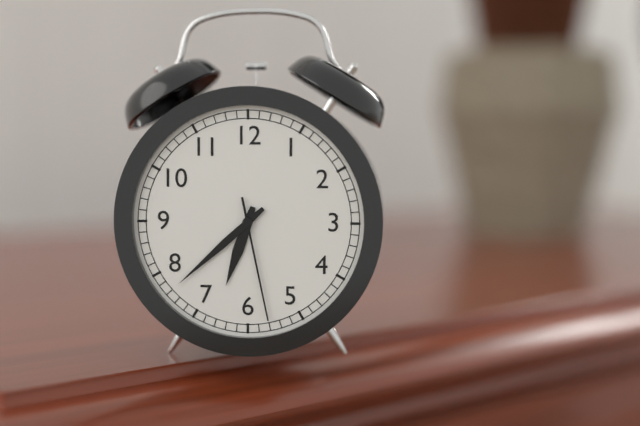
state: 6:38:28
